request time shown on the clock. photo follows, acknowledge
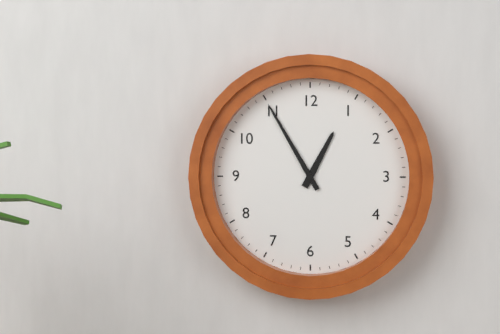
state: 12:55
